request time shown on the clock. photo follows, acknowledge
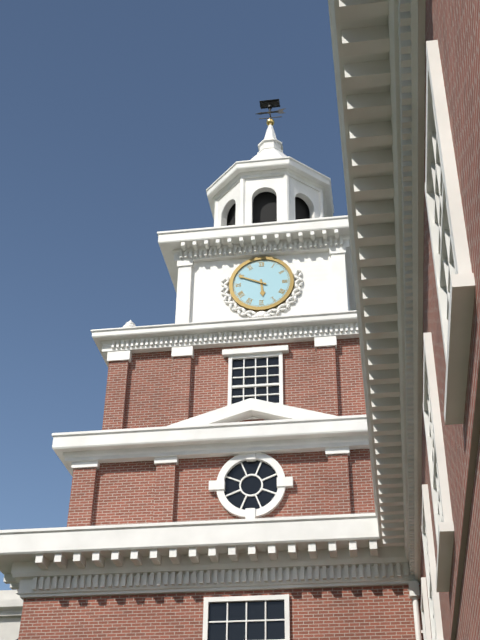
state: 5:49
